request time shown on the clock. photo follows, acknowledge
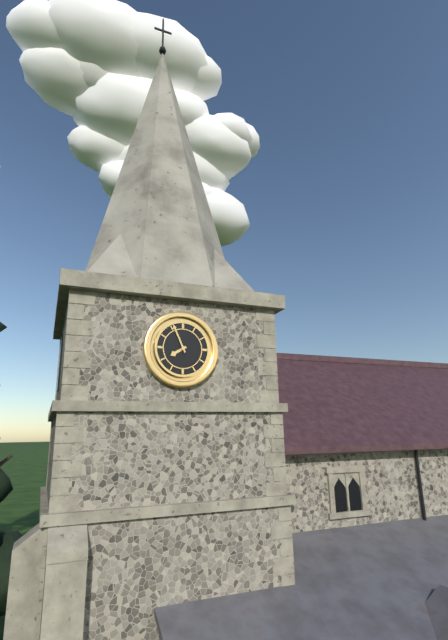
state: 7:56
